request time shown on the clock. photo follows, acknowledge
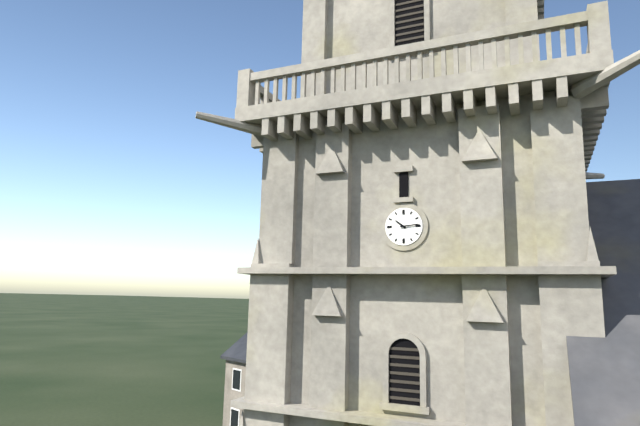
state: 10:14
